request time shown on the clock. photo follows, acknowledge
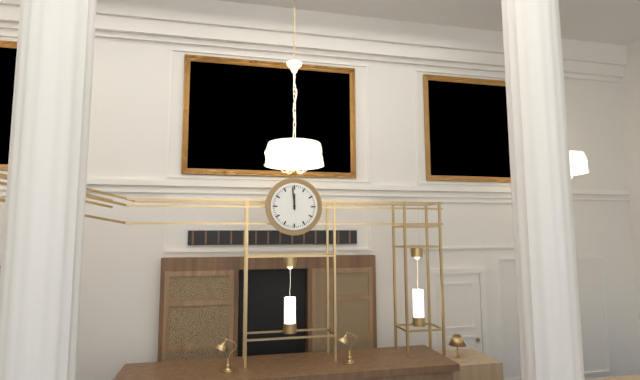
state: 11:59
